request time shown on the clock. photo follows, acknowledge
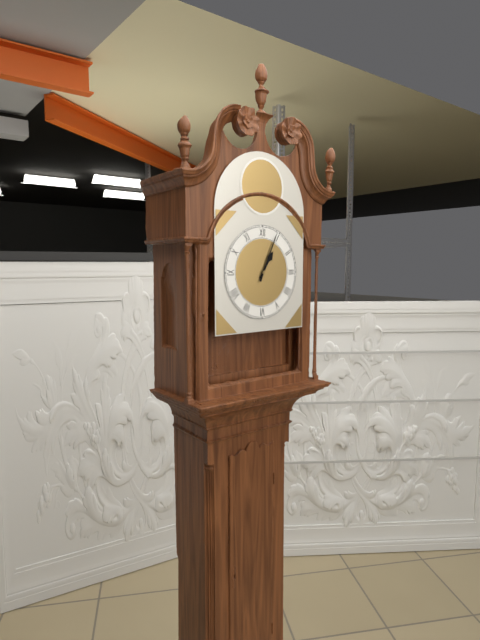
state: 1:04
